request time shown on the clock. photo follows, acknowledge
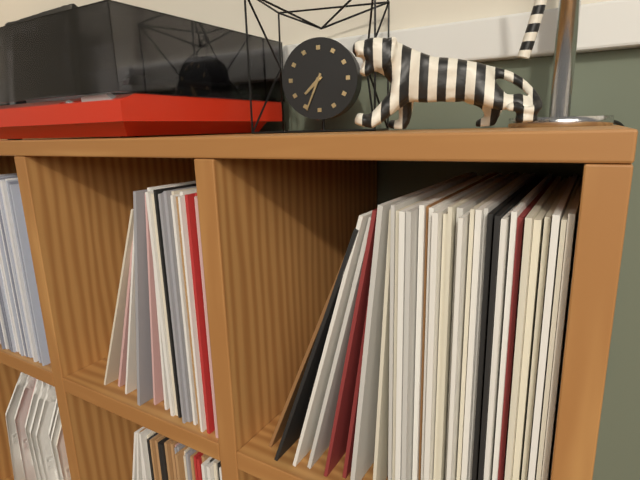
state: 7:34
